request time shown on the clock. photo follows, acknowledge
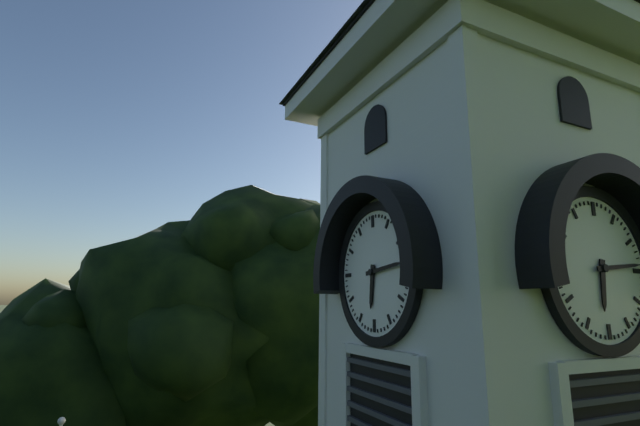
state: 6:14
